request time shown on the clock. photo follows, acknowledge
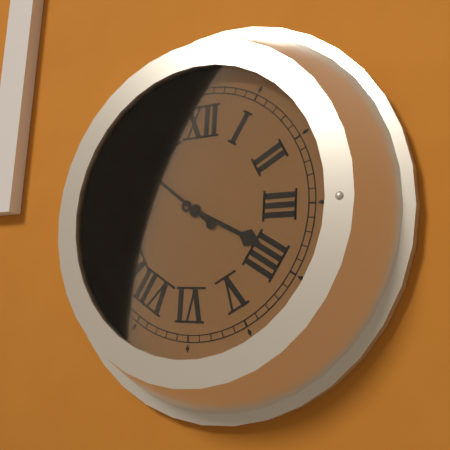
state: 3:51
